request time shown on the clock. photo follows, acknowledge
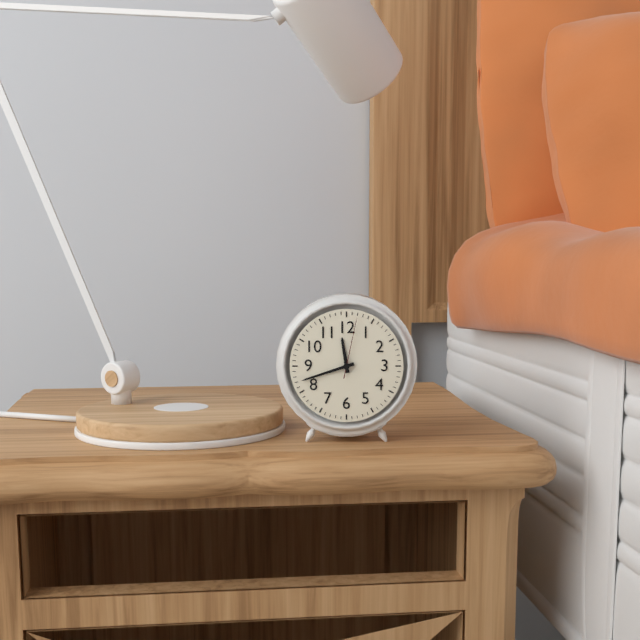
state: 11:42:02
